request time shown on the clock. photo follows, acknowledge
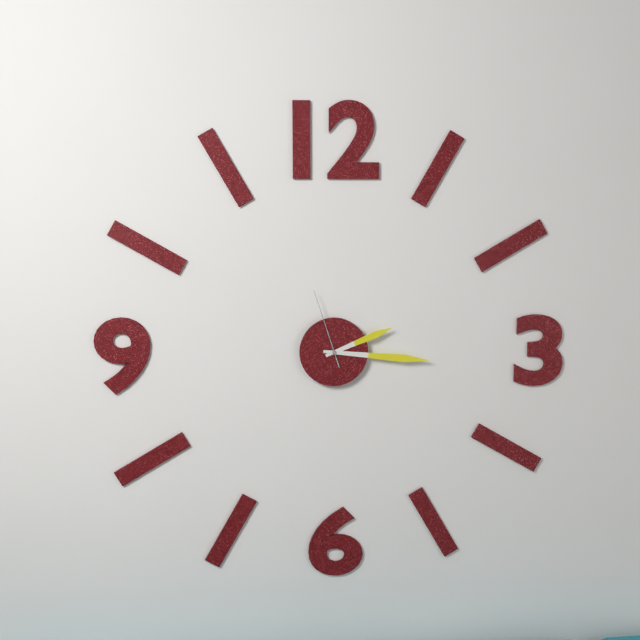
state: 2:16:57
